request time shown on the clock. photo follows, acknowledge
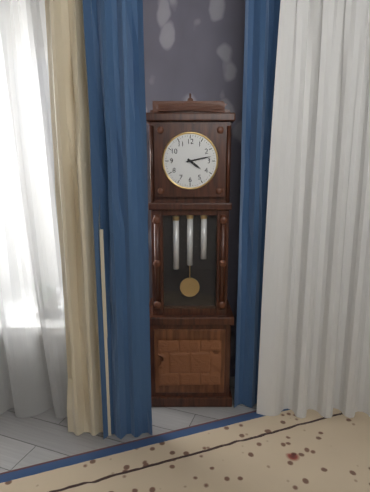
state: 4:13
